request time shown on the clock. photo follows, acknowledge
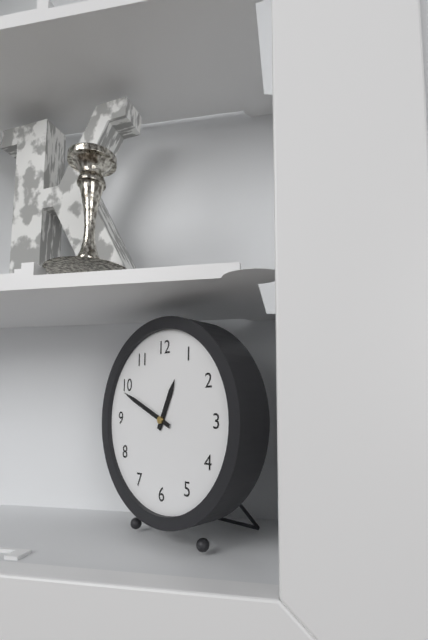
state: 12:49
